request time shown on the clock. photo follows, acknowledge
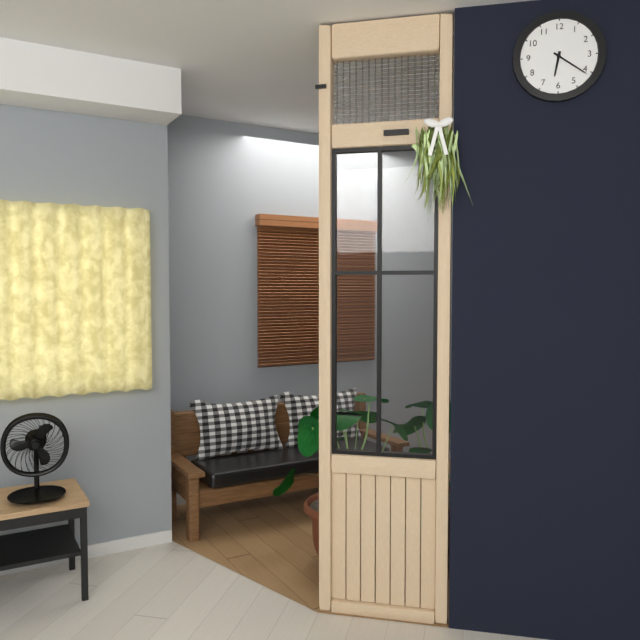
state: 6:21
